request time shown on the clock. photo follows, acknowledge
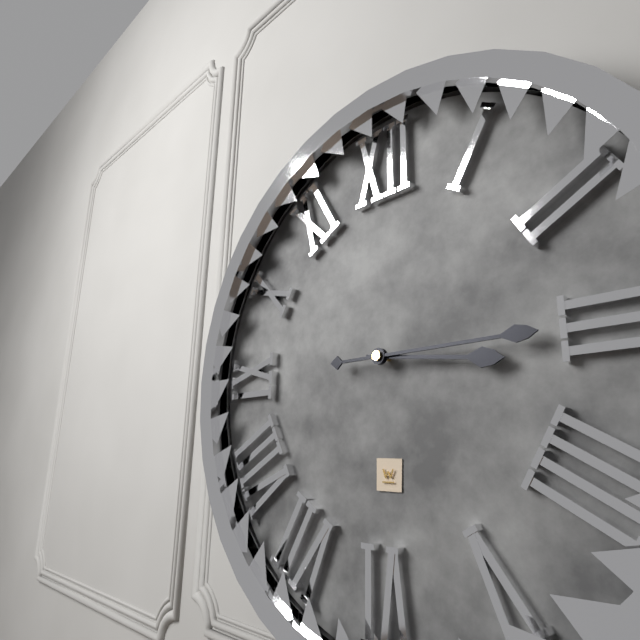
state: 3:15
